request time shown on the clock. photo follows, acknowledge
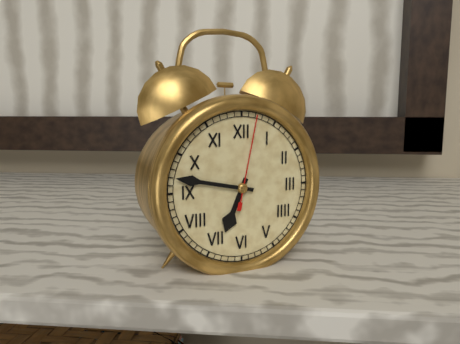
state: 6:47:02
